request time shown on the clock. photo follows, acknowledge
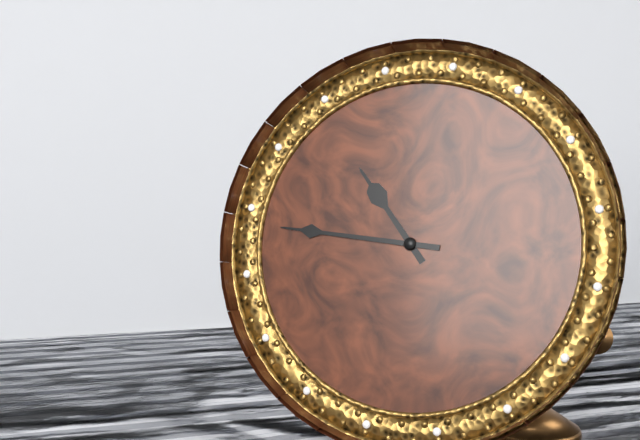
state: 10:46
